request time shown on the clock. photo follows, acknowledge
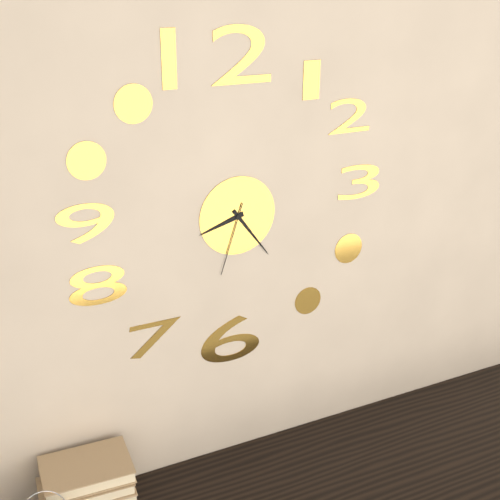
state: 8:24:33
